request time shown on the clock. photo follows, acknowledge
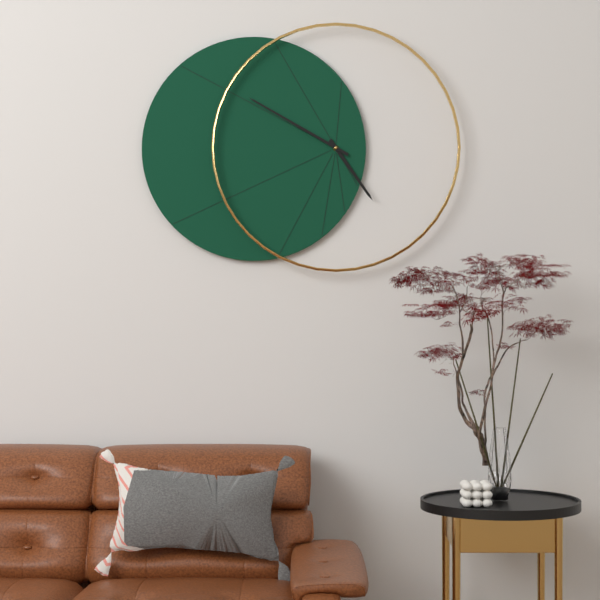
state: 4:50
